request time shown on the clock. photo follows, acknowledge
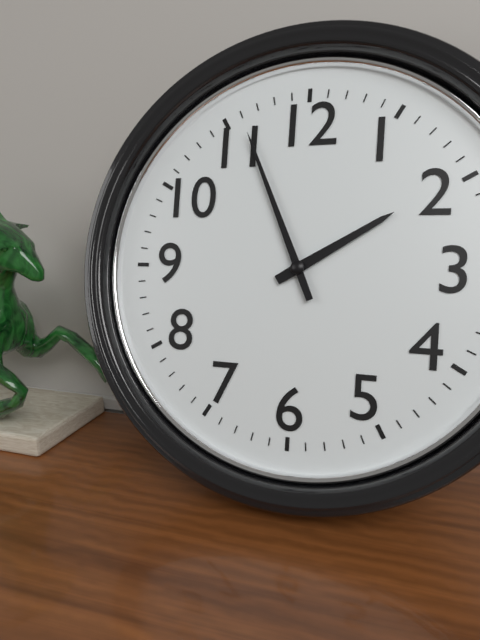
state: 1:56
